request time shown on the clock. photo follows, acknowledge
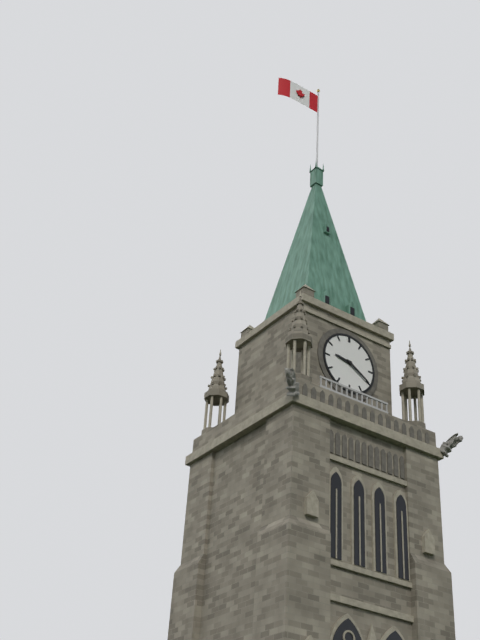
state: 9:20
